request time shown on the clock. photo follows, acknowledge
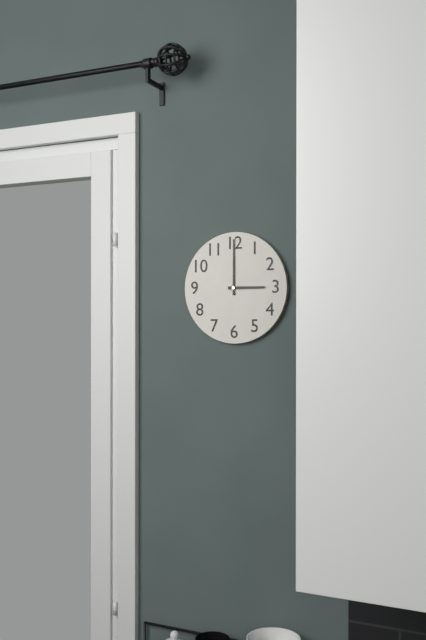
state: 3:00
